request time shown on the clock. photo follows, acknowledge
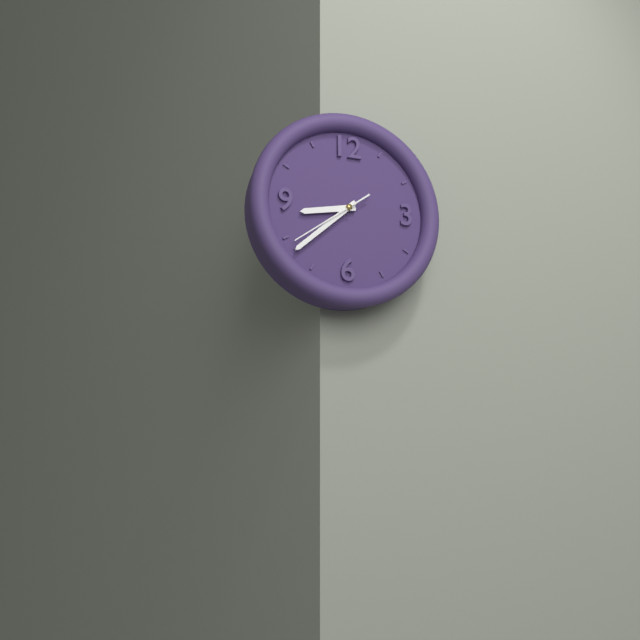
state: 8:38:39
